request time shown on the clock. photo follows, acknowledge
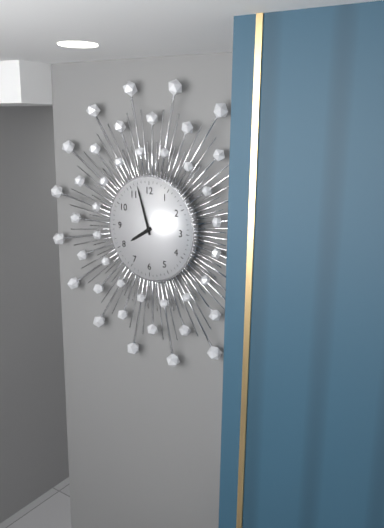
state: 7:57
